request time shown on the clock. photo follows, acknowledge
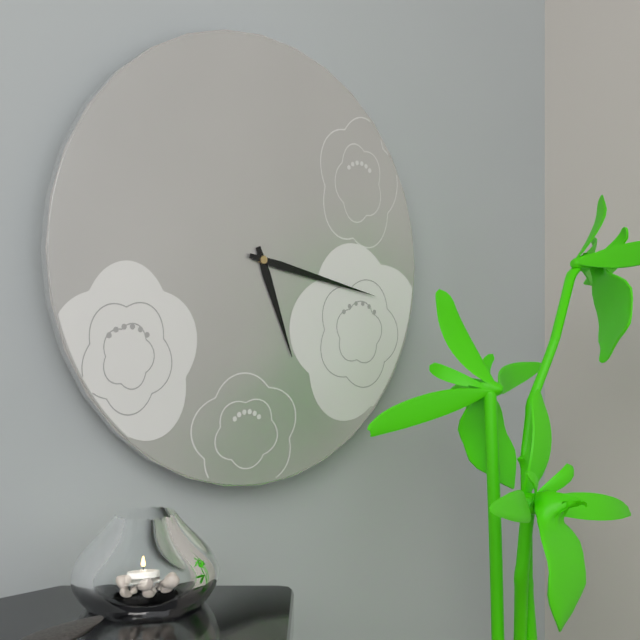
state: 5:17
